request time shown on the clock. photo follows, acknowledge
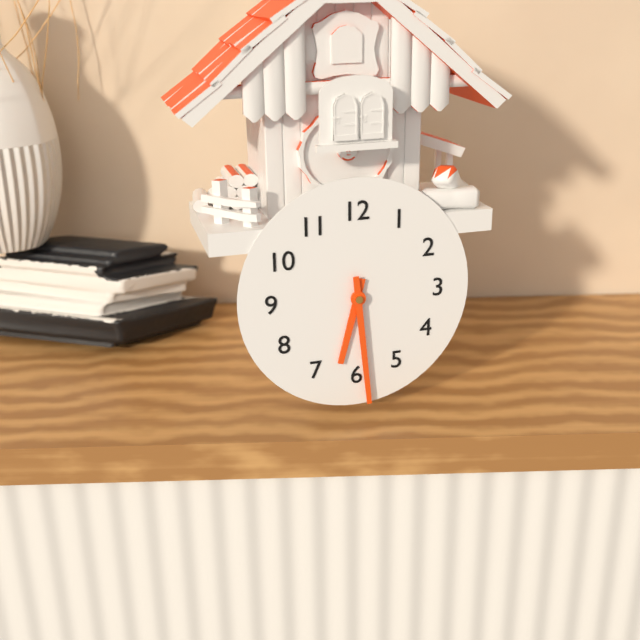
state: 6:29
